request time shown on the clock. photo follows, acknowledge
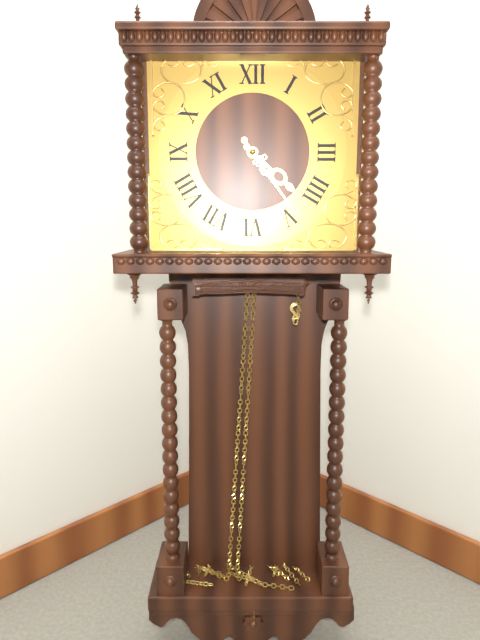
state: 4:24
